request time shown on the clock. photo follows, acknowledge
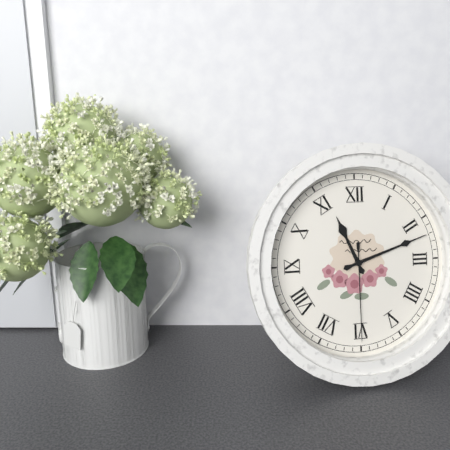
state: 11:12:30
